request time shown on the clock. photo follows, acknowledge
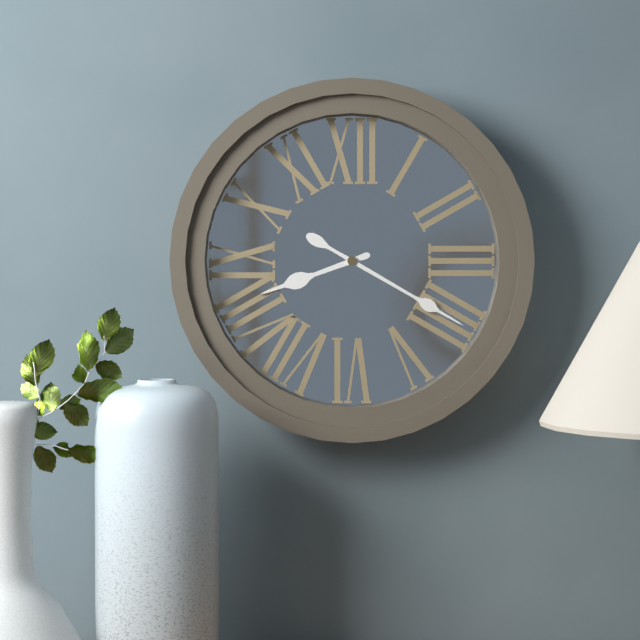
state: 8:20
